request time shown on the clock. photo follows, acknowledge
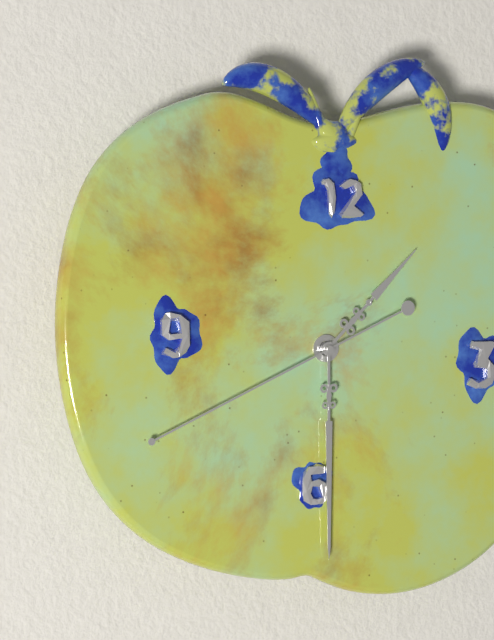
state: 1:30:41
